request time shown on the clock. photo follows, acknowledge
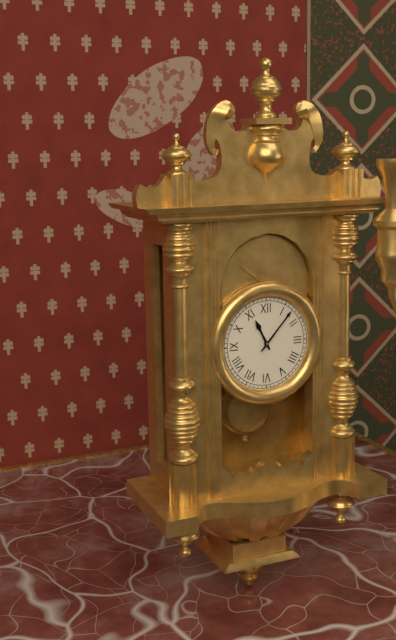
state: 11:07
